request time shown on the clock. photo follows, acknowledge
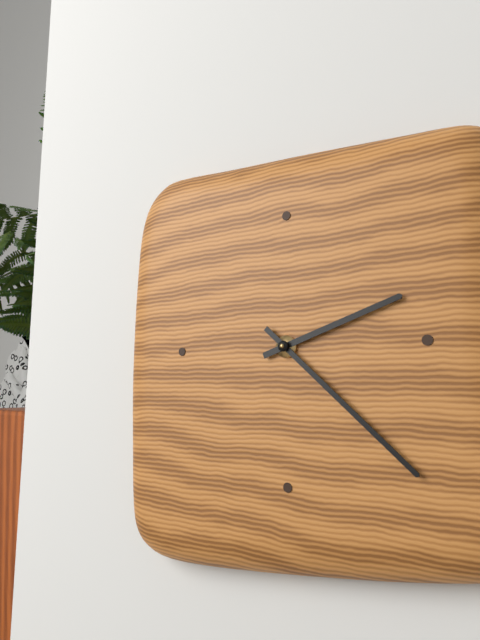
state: 2:22
